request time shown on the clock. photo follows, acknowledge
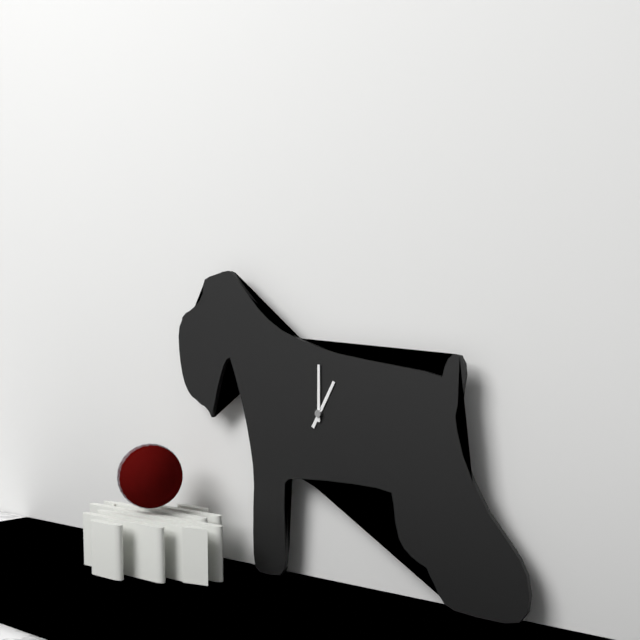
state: 1:00
